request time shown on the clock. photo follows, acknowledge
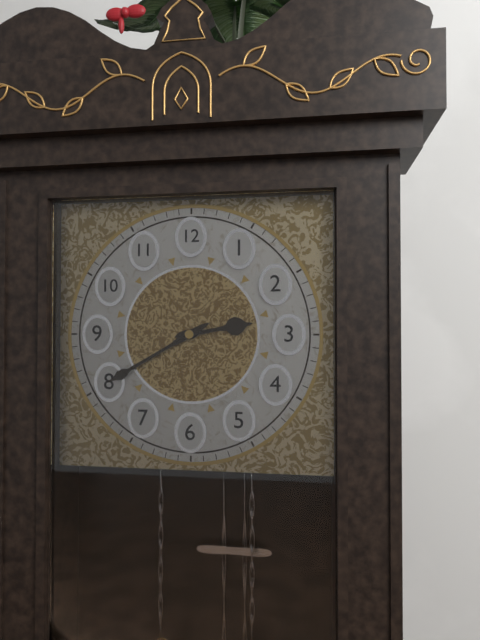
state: 2:40
